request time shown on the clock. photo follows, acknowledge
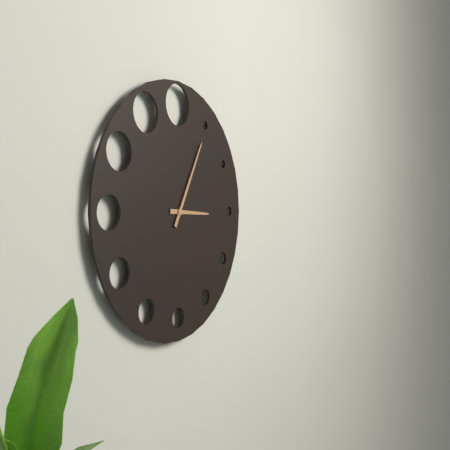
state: 3:05
